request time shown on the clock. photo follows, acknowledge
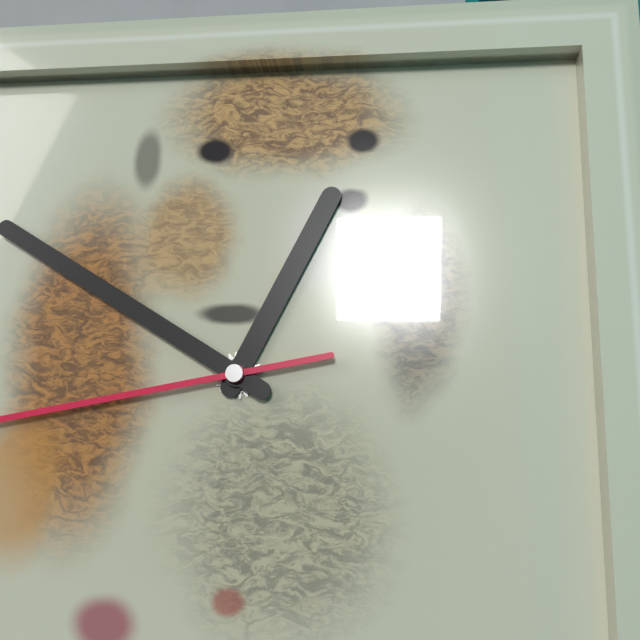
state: 12:50
